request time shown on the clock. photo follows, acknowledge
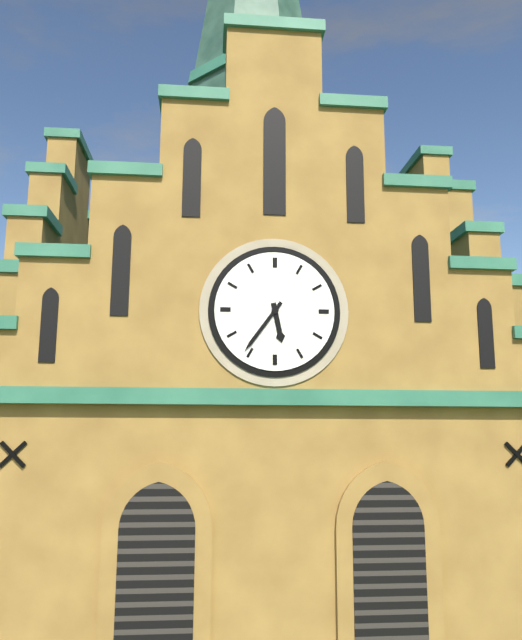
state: 5:36
